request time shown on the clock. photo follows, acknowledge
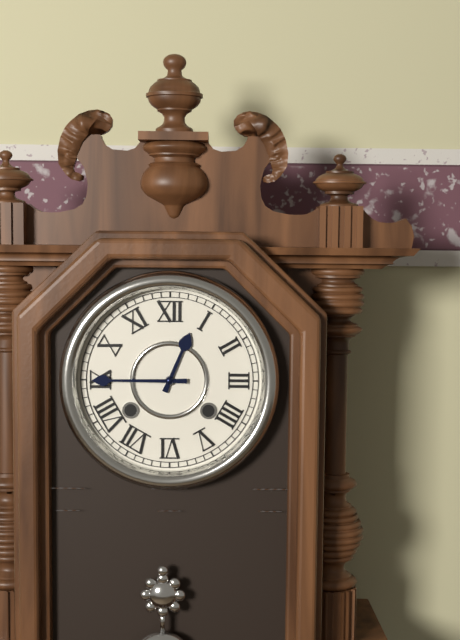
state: 12:45
